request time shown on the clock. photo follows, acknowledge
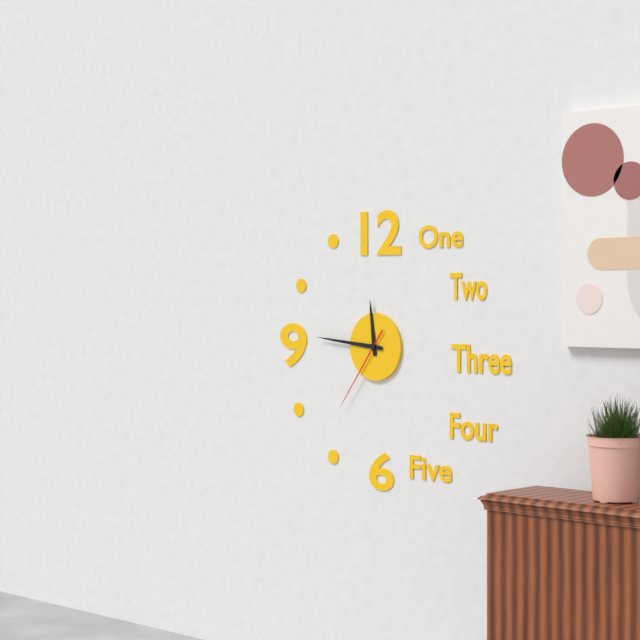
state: 11:46:36
